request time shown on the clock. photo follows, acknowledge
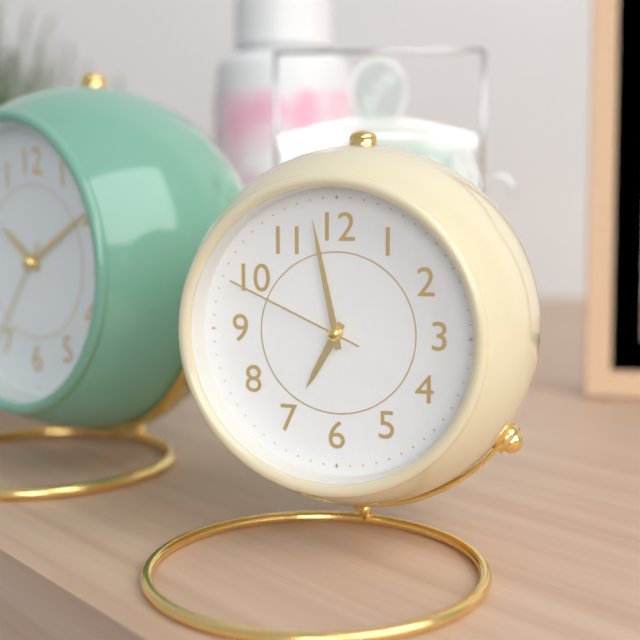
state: 6:58:49
